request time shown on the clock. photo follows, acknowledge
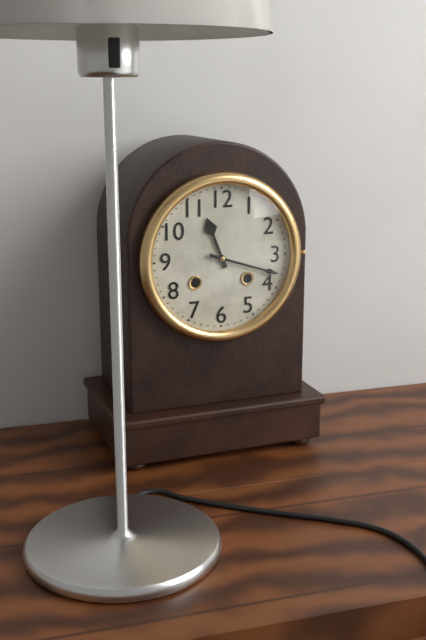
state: 11:18
